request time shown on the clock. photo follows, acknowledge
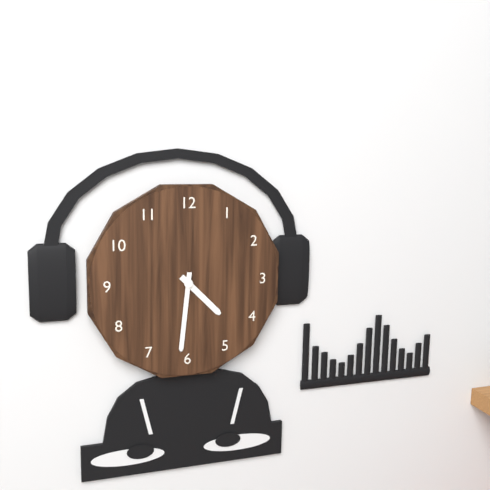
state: 4:31
